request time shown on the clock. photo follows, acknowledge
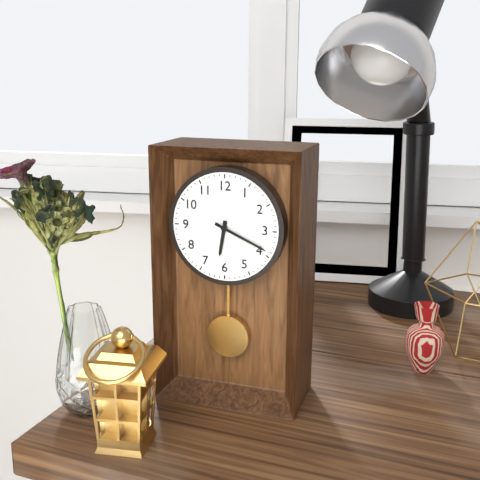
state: 6:19
